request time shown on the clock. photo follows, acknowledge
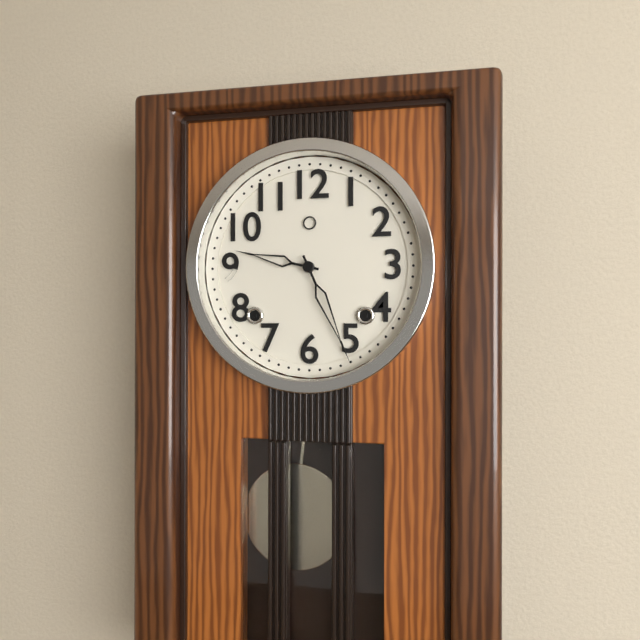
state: 9:26
